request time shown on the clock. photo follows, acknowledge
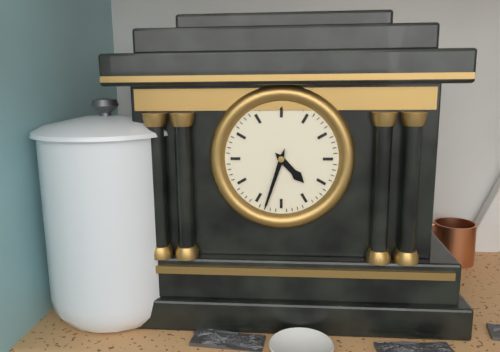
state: 4:33
